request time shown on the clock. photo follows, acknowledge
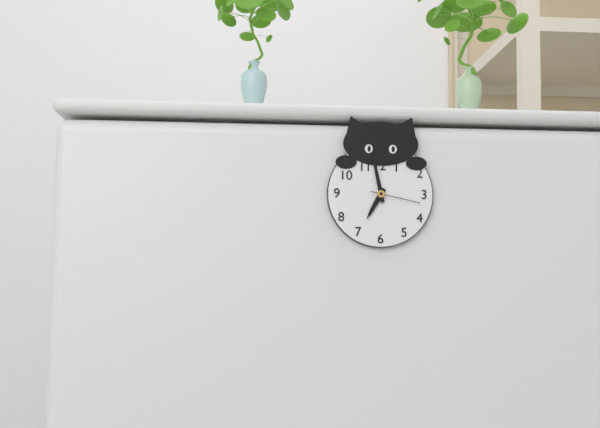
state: 6:58:17
